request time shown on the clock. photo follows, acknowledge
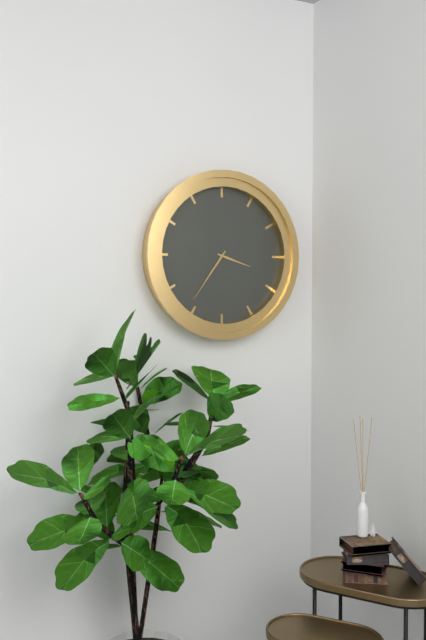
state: 3:36
